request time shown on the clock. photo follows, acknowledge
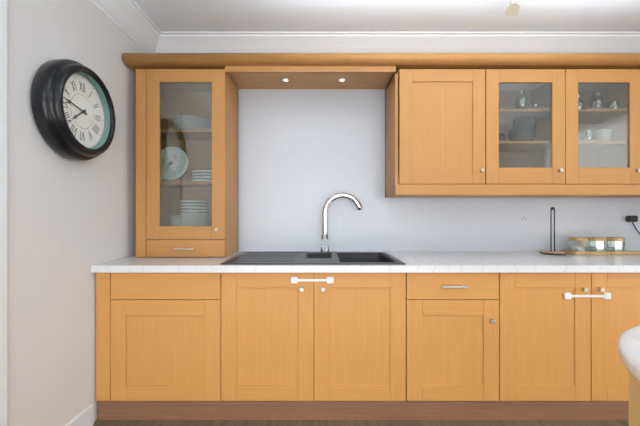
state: 7:47
